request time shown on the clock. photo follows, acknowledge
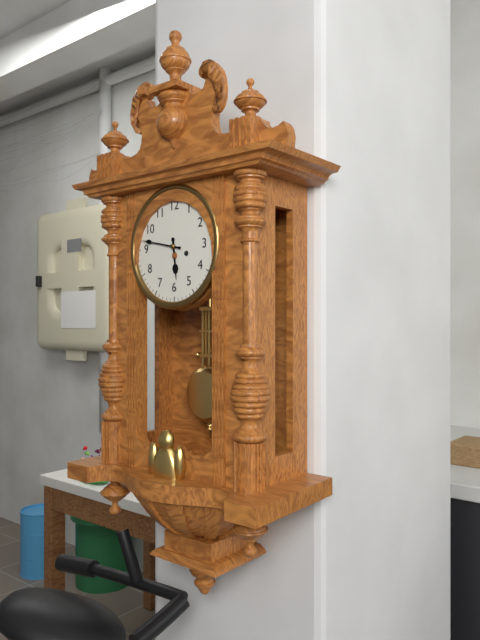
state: 5:47
